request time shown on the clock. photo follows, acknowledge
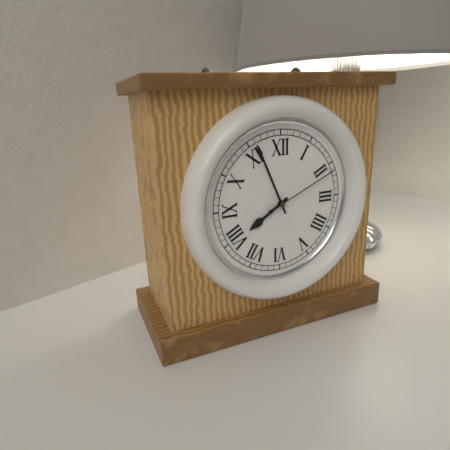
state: 7:56:11
